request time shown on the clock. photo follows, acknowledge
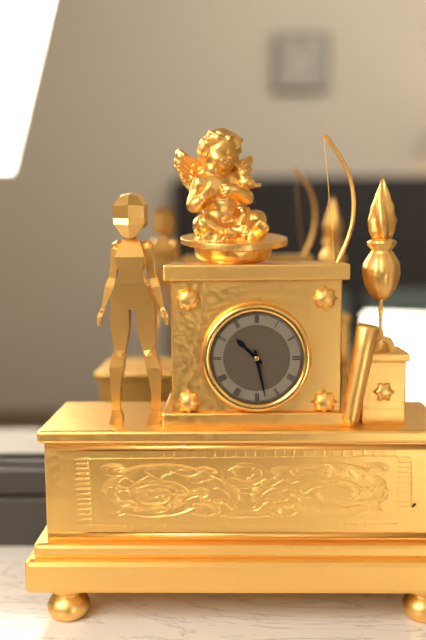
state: 10:28
